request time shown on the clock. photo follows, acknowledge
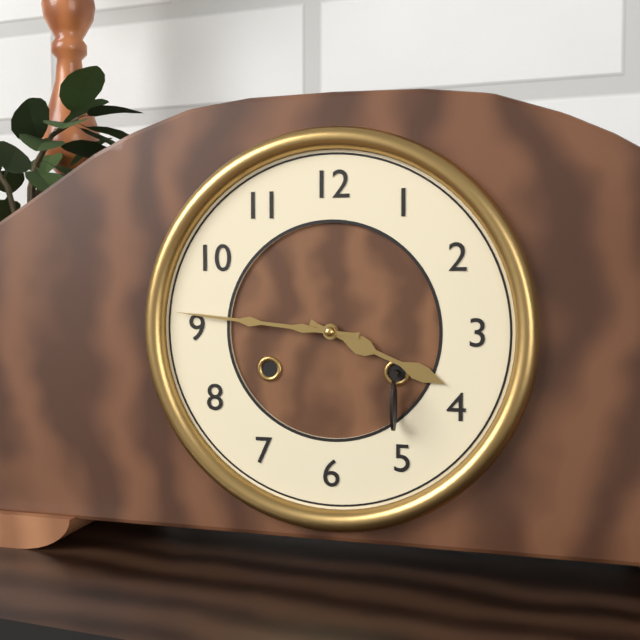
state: 3:46
